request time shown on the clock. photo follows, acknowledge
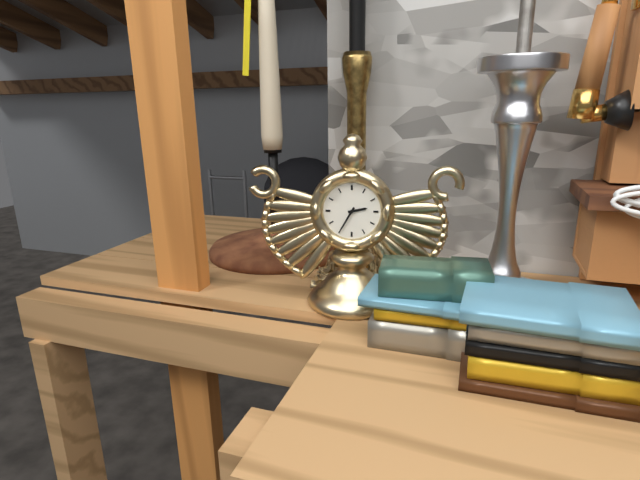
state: 2:35
